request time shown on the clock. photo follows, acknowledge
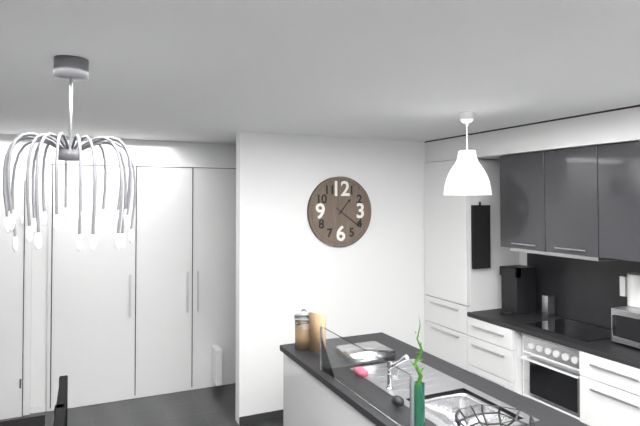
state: 1:21
